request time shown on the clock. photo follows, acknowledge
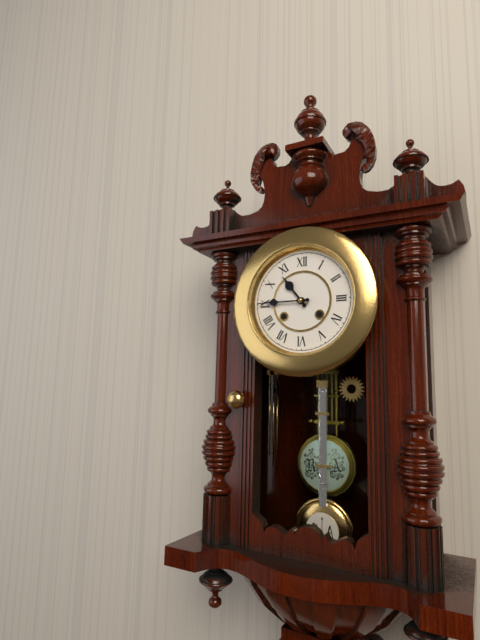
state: 10:45
